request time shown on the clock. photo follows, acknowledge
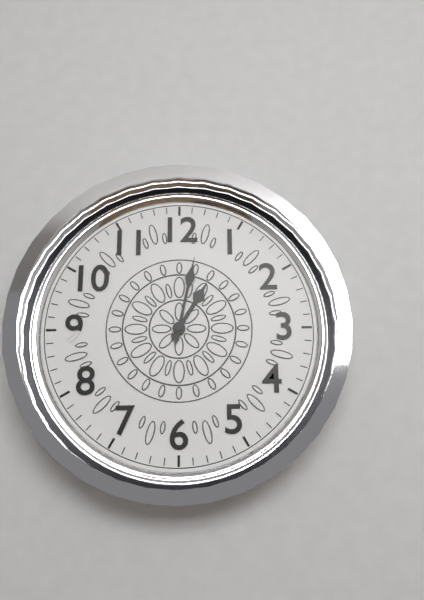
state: 1:02
